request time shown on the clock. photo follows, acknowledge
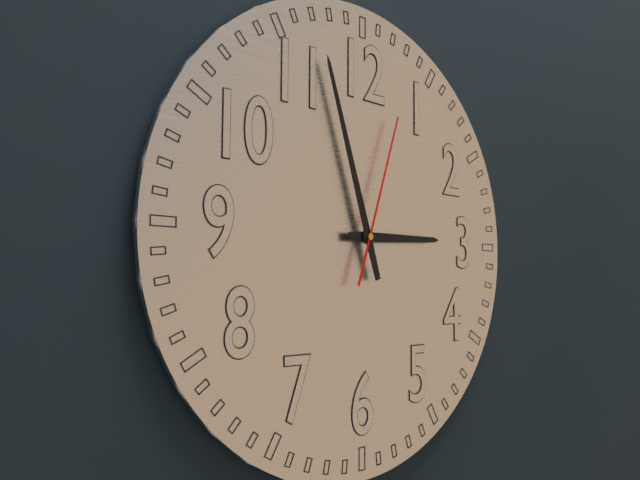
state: 2:57:03
